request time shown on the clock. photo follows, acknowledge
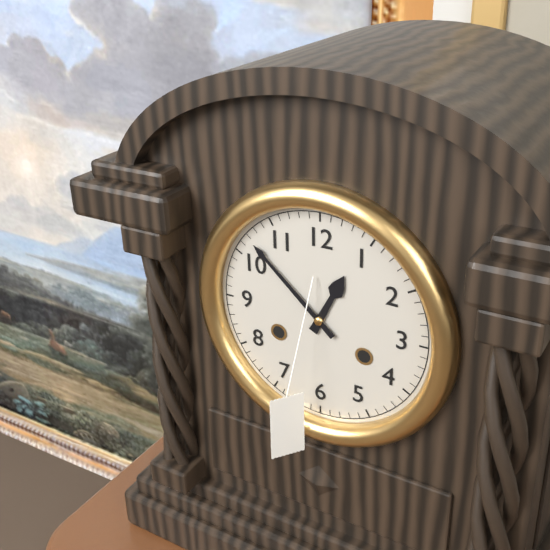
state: 12:52
